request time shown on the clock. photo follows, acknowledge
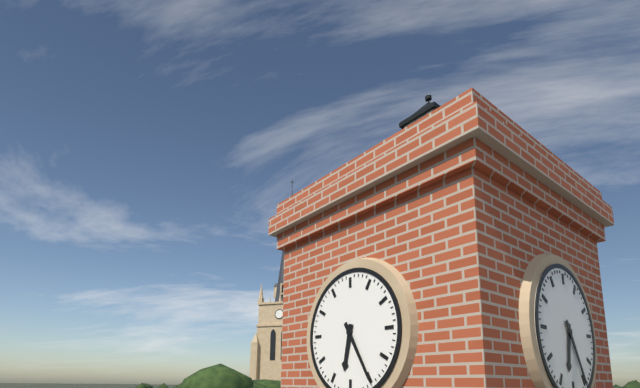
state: 6:25
